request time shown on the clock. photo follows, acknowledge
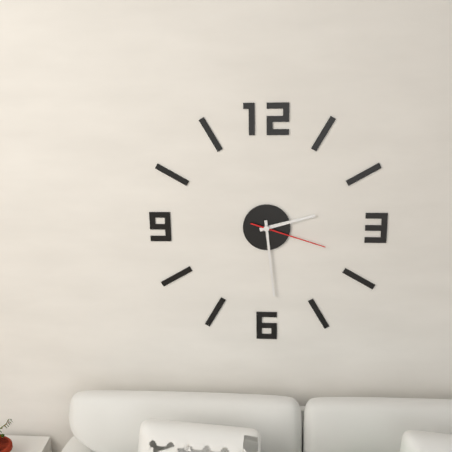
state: 2:29:18
